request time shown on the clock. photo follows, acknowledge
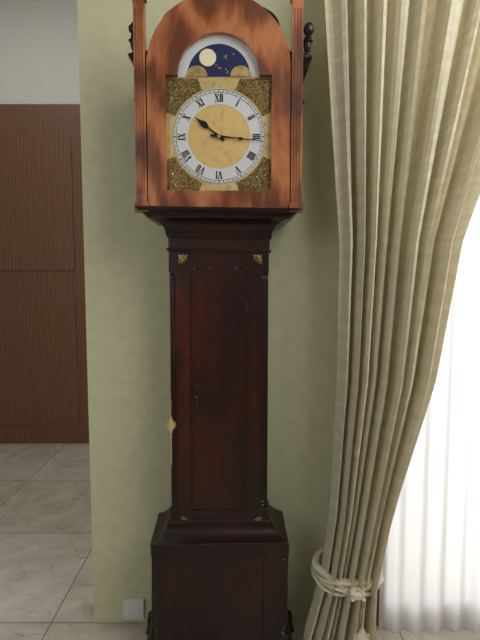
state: 10:16
